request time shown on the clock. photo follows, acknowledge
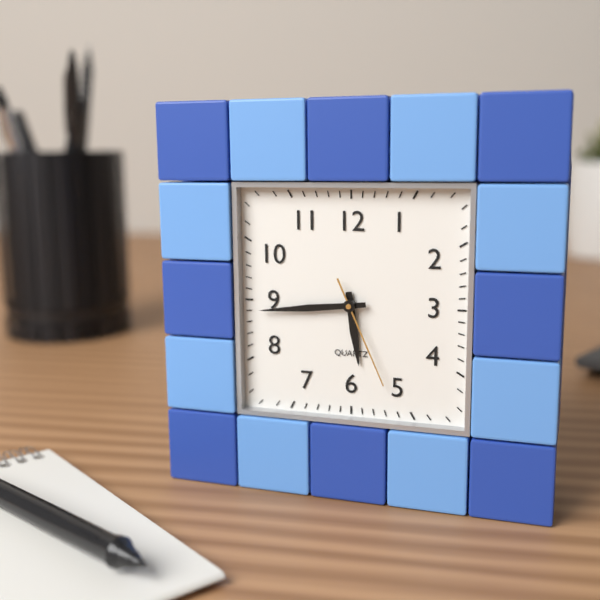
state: 5:44:26
